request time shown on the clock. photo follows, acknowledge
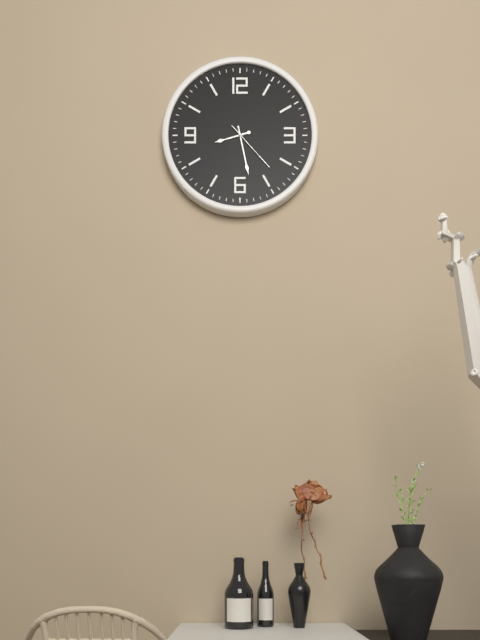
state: 8:28:23
